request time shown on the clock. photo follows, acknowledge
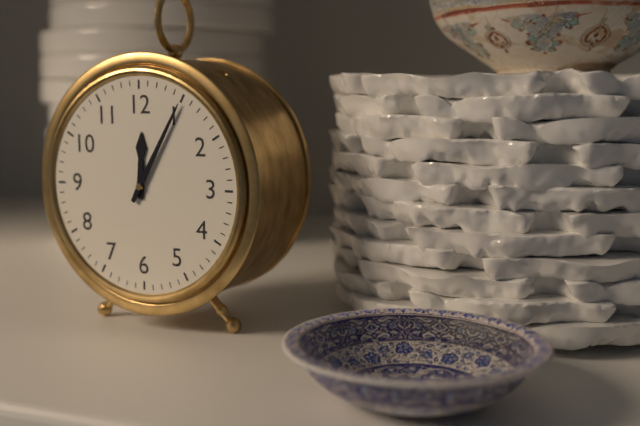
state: 12:05
